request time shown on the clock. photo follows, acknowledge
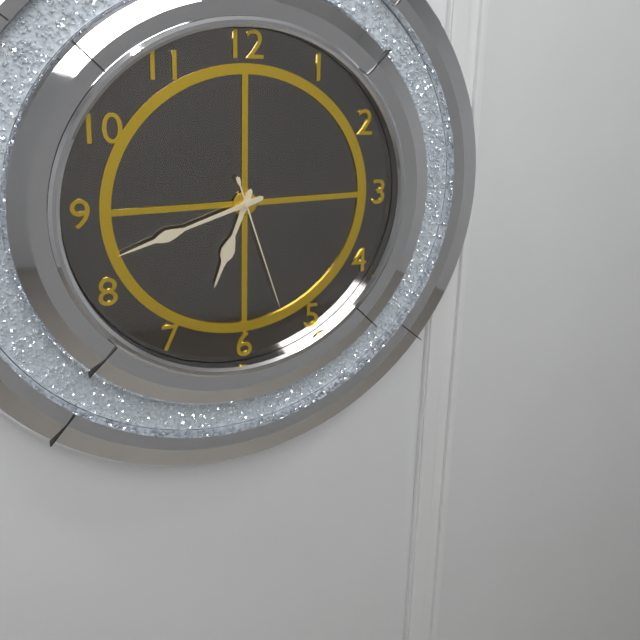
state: 6:42:27
